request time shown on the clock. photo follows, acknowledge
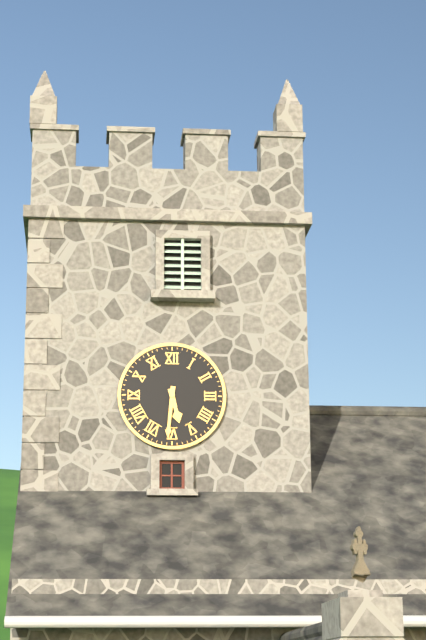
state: 5:31
